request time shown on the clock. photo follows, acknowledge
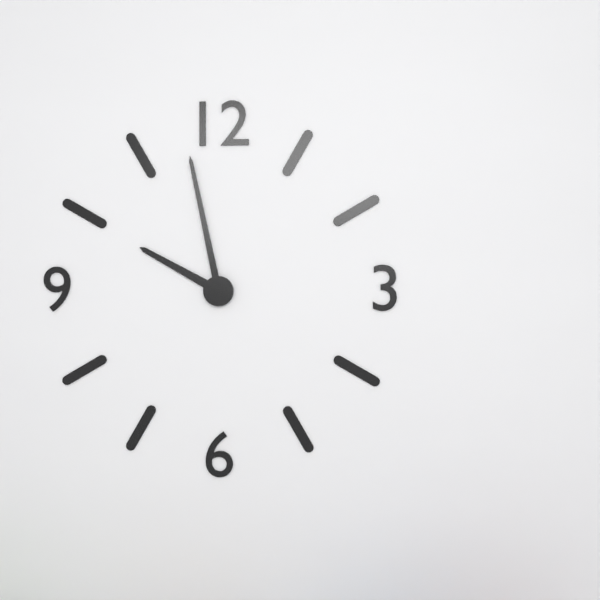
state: 9:58
